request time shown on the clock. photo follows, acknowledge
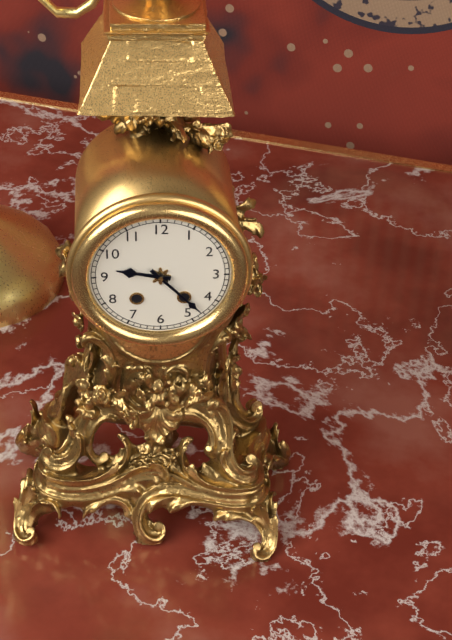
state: 9:23
